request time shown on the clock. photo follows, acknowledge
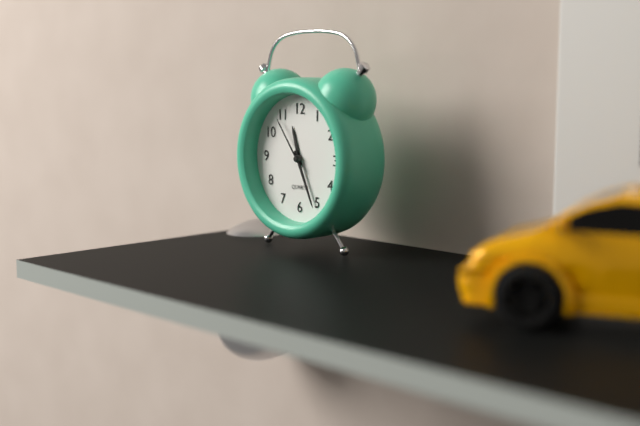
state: 11:26:54
